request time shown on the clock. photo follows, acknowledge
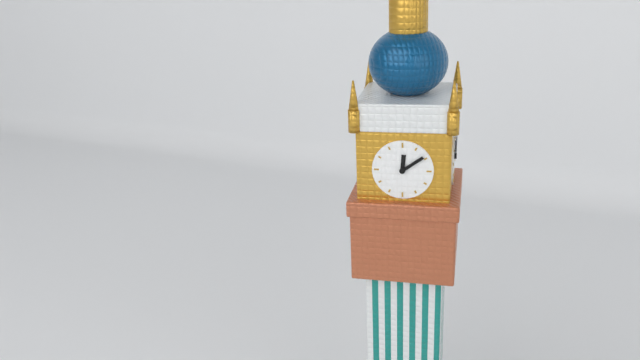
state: 12:09
